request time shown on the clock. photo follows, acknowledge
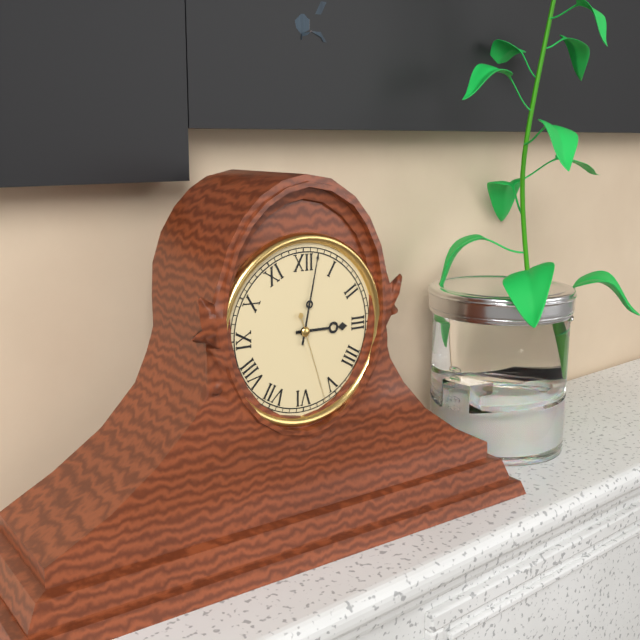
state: 3:02:27
